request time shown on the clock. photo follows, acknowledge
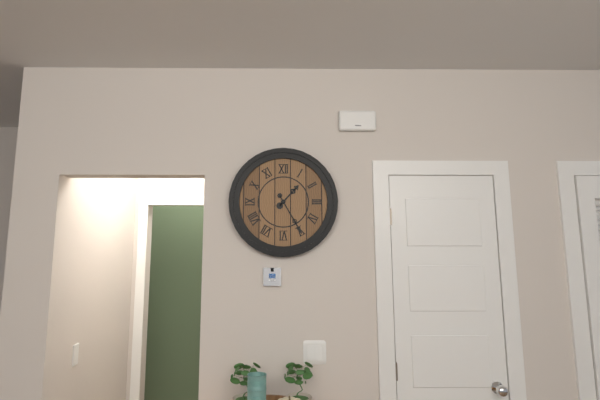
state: 1:25
